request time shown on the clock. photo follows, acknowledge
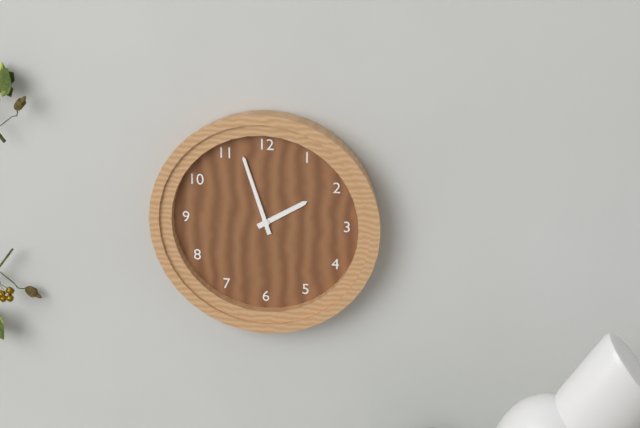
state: 1:57
